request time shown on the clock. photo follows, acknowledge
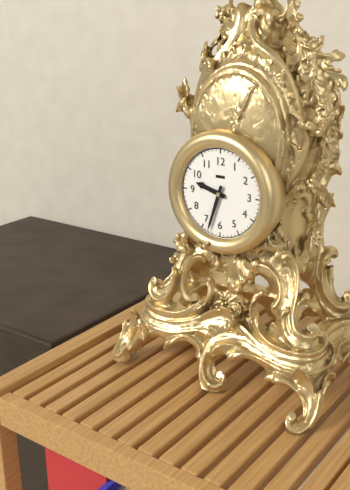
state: 9:33
